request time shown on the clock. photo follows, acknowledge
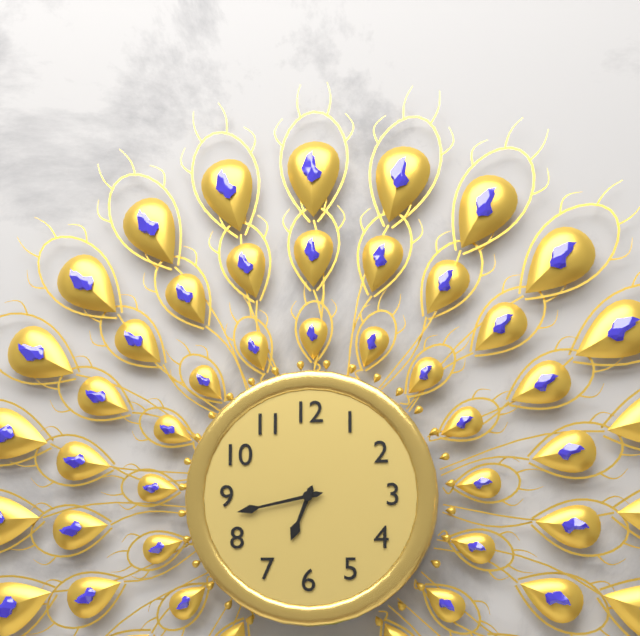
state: 6:43
